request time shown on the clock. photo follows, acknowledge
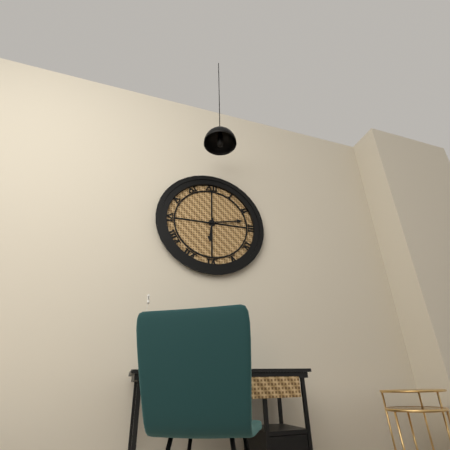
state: 6:13
